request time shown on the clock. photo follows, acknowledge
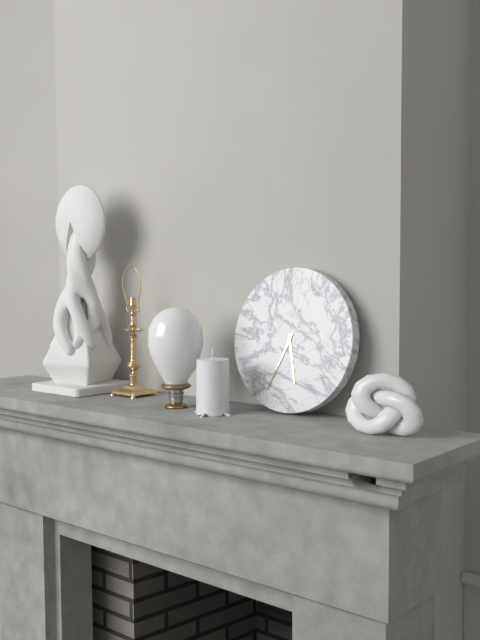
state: 5:34
